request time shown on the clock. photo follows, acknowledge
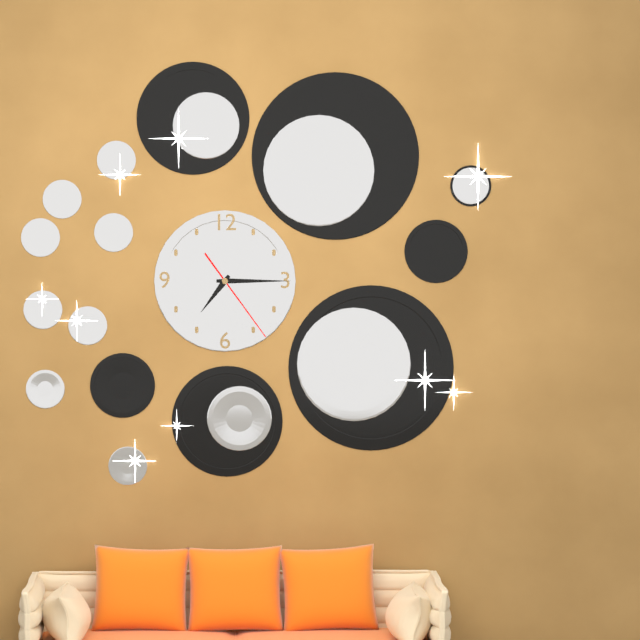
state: 7:15:24
